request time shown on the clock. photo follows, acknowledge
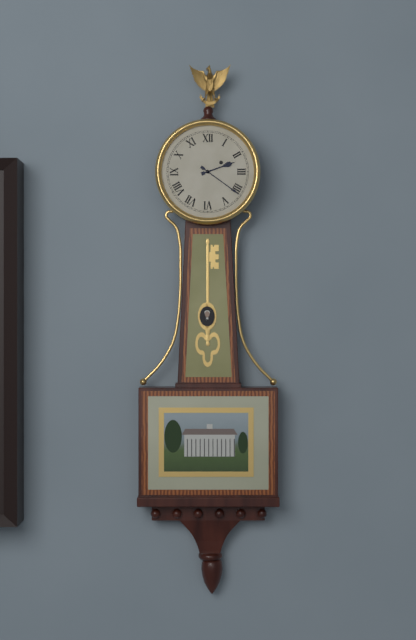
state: 2:21
